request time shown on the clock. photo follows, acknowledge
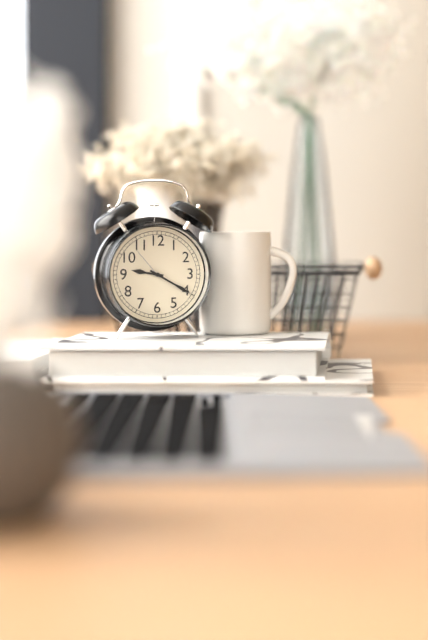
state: 9:20
